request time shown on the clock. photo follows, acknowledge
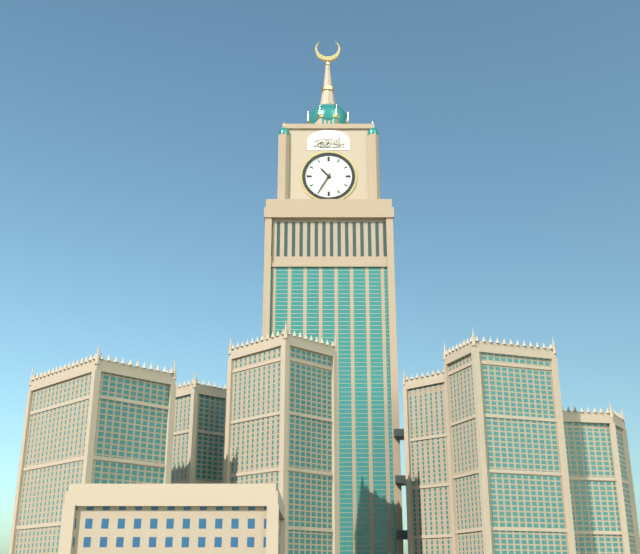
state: 10:35
